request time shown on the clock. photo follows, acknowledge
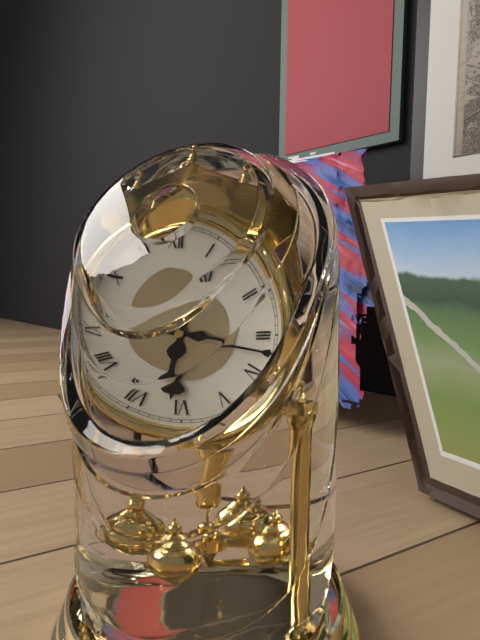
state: 6:17
